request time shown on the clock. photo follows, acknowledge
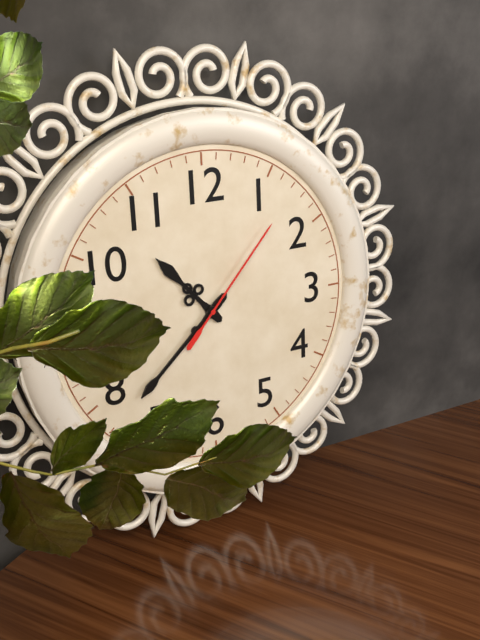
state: 10:38:07
